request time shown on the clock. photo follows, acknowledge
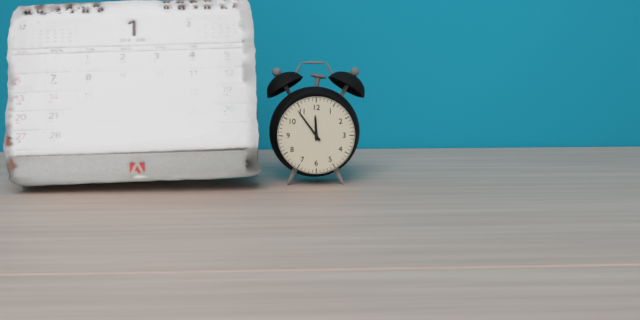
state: 11:54
